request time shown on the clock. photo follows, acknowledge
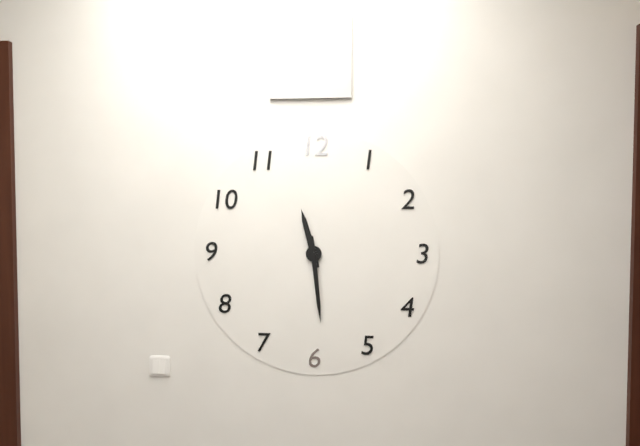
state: 11:29
